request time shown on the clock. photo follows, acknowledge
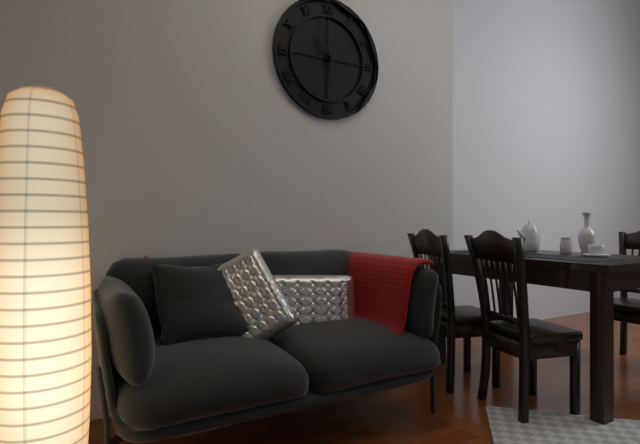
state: 10:58
